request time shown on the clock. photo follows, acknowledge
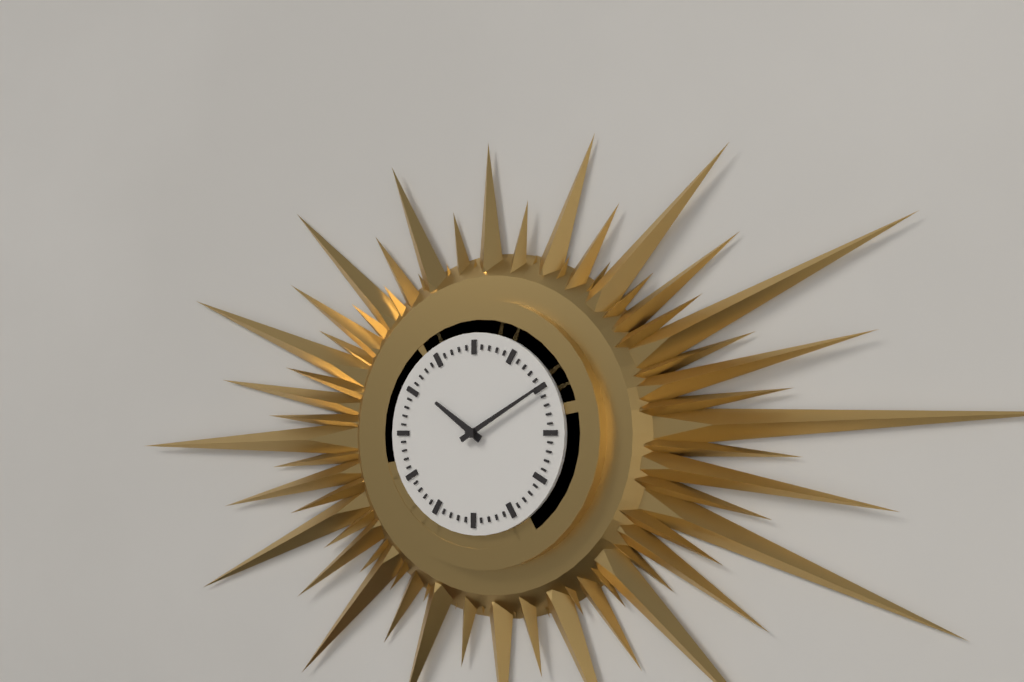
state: 10:10
